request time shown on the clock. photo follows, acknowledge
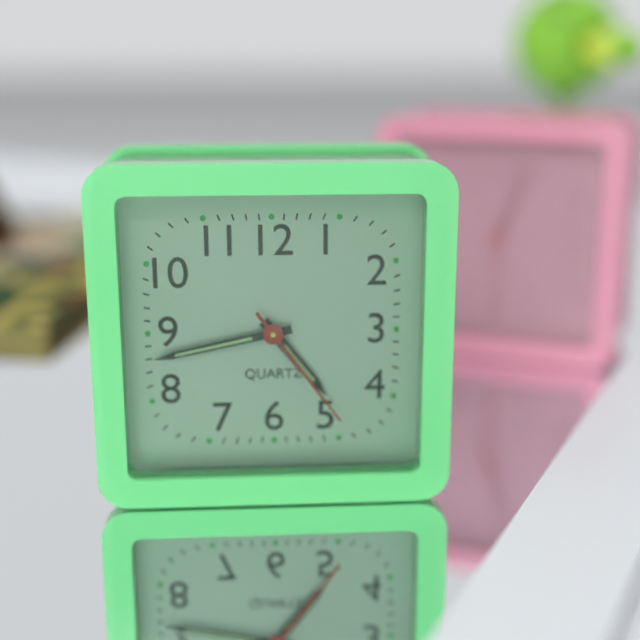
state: 4:43:24
